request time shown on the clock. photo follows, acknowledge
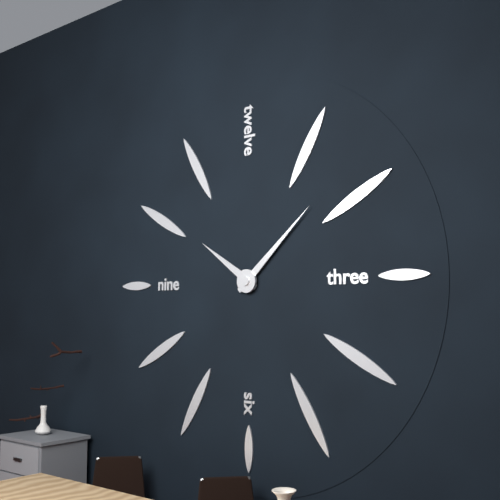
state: 10:08
